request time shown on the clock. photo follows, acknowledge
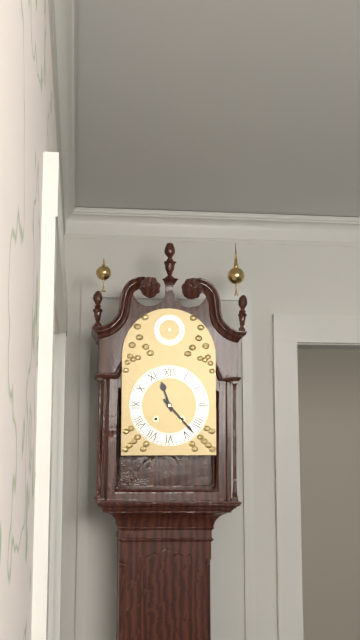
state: 11:23
